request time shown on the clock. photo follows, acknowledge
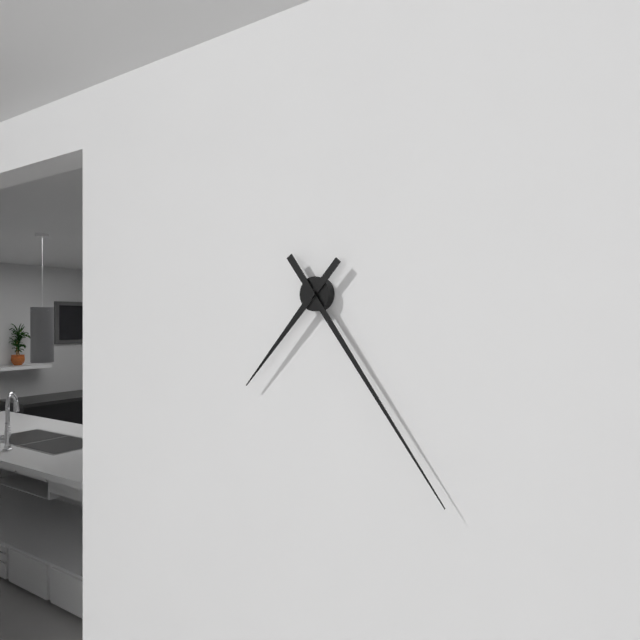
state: 7:24
